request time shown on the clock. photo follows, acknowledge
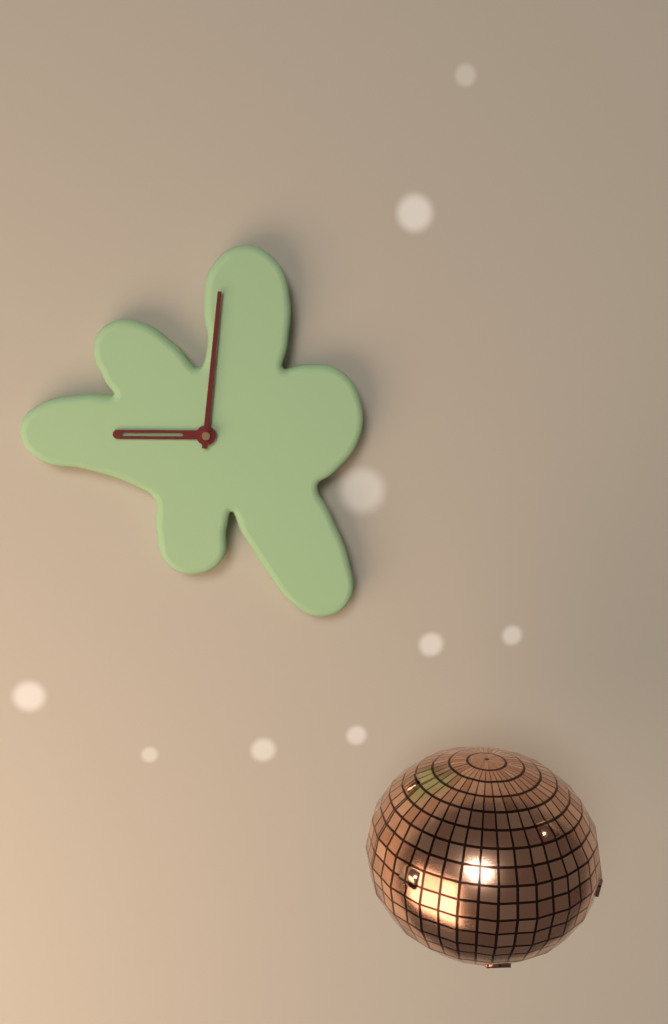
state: 9:01
